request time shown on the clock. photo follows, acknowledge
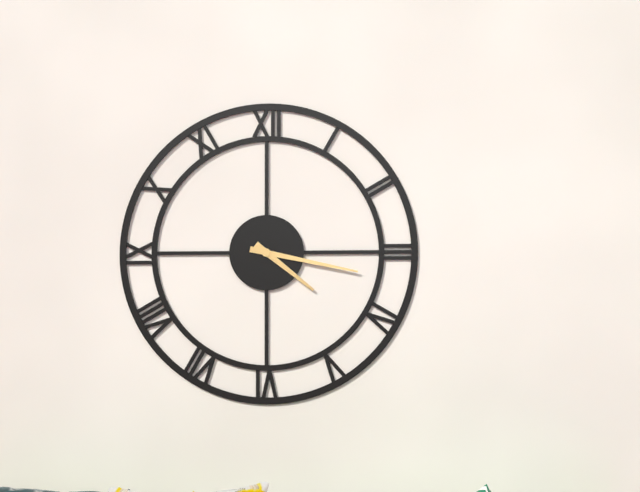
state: 4:17
